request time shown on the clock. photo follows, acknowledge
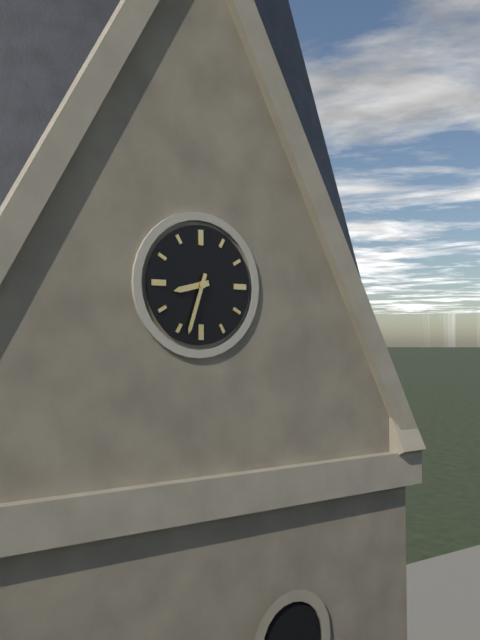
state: 8:33
